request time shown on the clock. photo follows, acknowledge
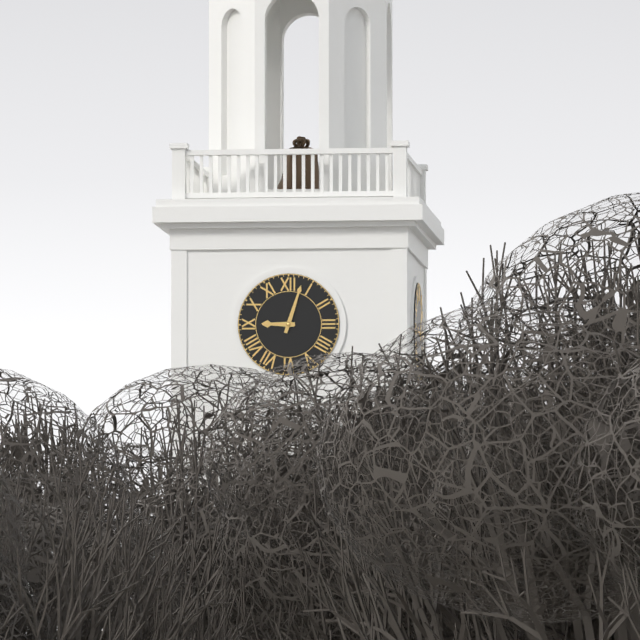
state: 9:03
